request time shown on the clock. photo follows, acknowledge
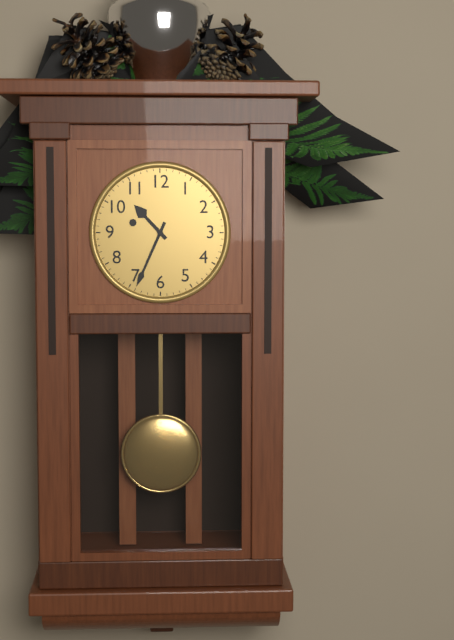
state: 10:34
